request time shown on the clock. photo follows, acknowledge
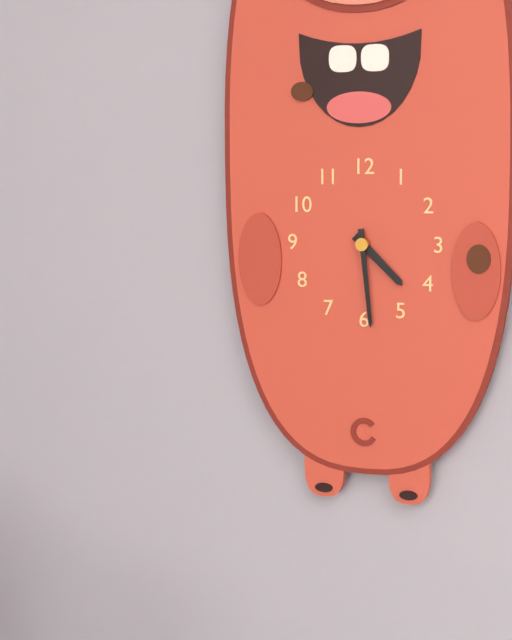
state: 4:29
